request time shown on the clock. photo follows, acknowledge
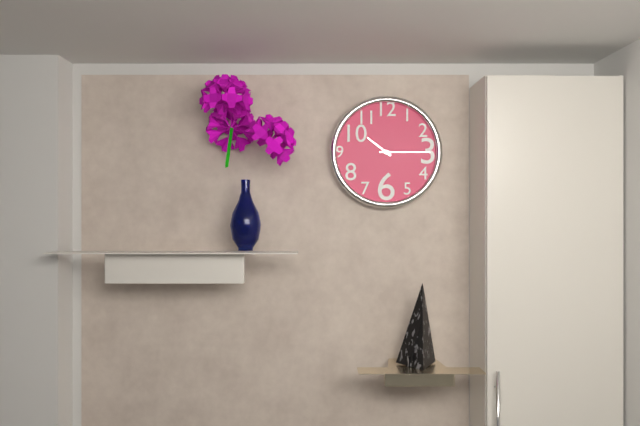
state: 10:15
